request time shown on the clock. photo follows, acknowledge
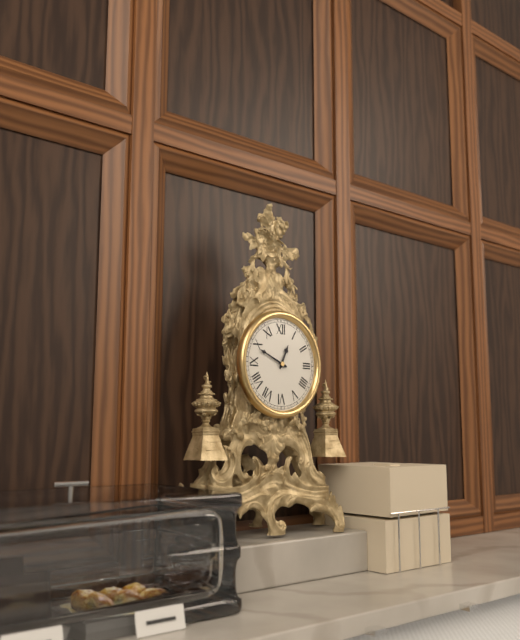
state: 12:49
